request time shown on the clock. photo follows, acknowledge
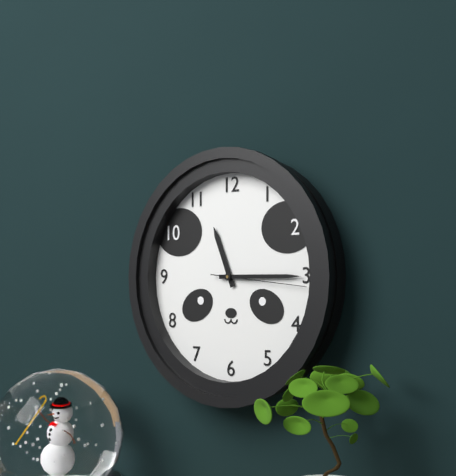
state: 11:15:16
